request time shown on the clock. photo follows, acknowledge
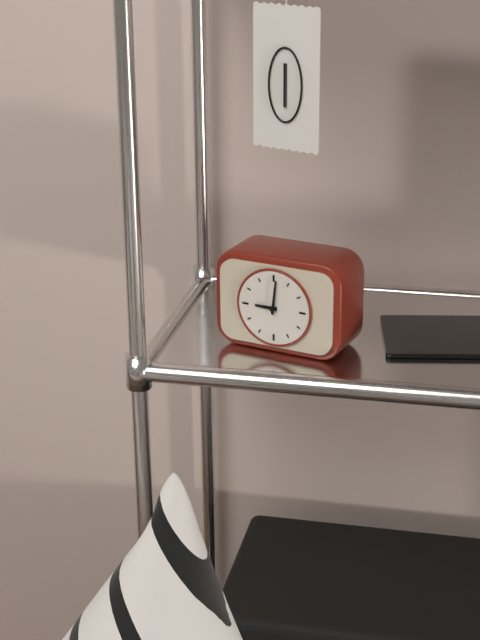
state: 9:01
